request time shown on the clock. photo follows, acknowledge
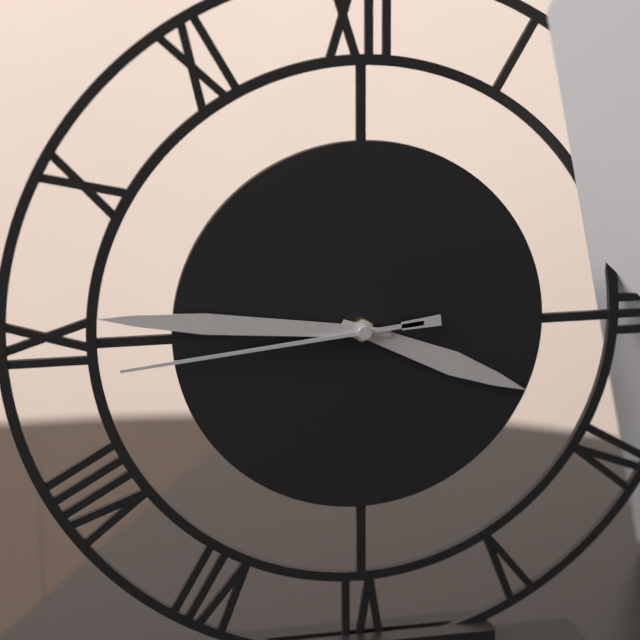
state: 3:46:44
